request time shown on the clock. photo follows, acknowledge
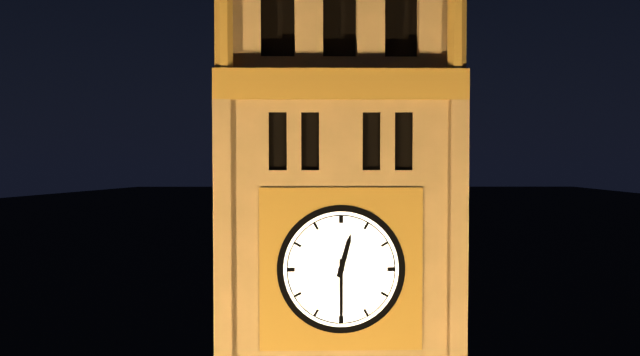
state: 12:30
